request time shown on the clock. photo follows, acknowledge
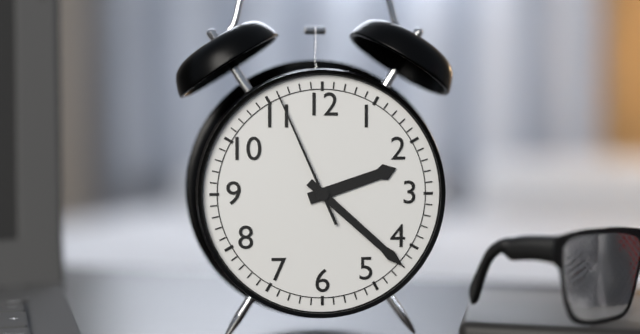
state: 2:22:56
